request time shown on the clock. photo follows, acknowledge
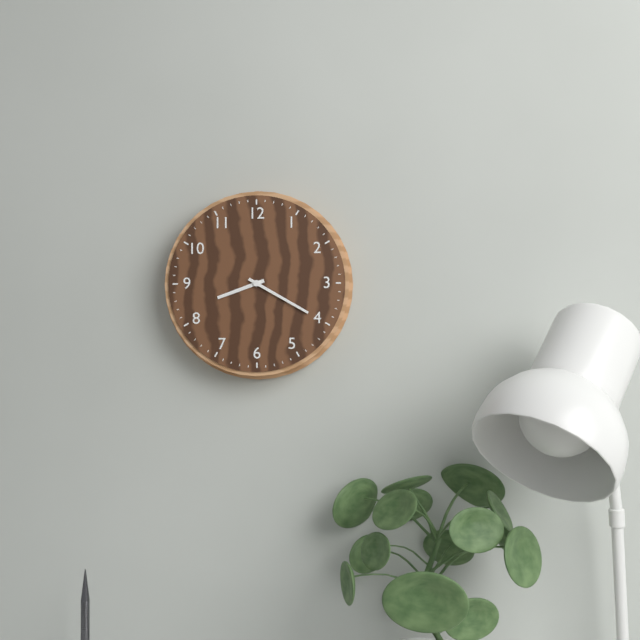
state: 8:20
